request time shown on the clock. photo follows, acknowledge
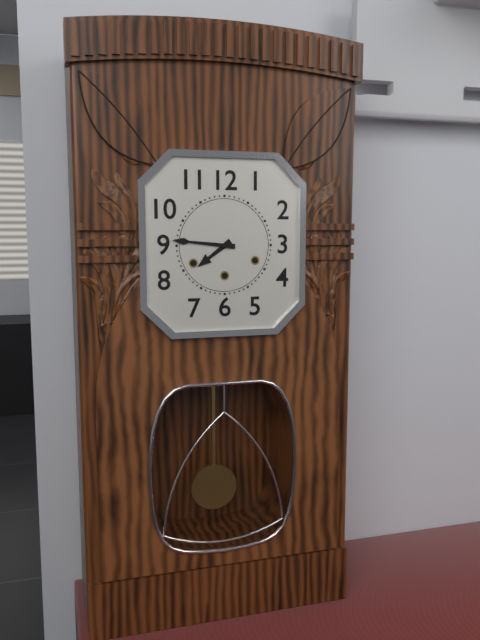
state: 7:46
